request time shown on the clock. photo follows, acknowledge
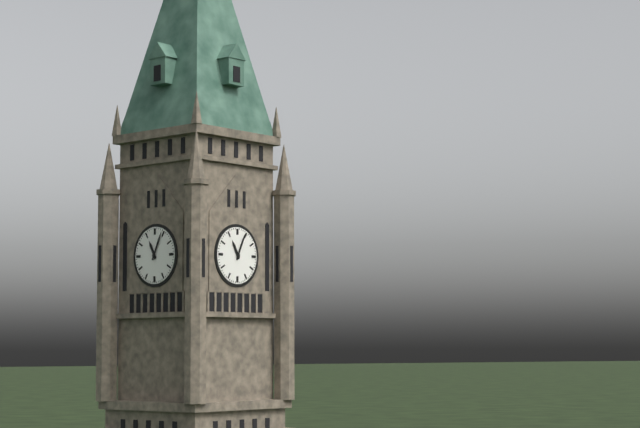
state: 11:04
